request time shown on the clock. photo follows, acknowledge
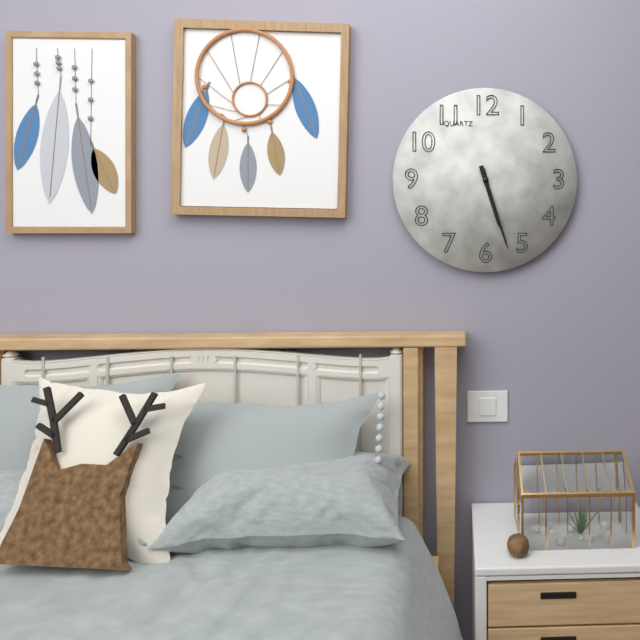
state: 5:27
